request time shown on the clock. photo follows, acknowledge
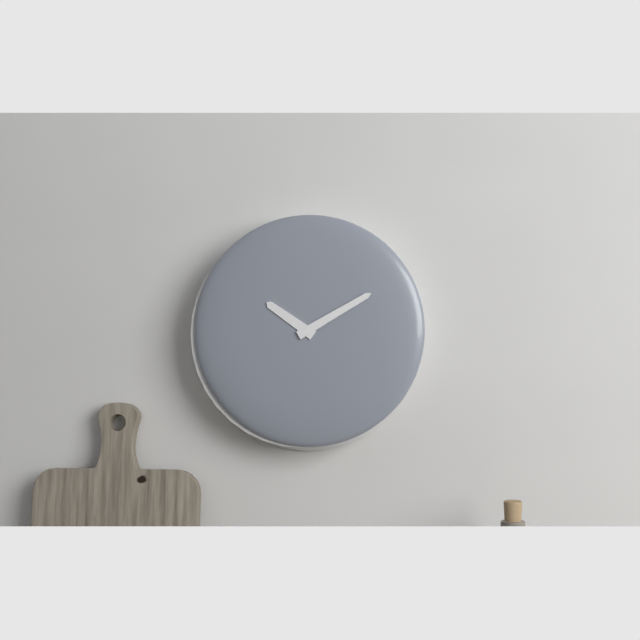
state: 10:10
